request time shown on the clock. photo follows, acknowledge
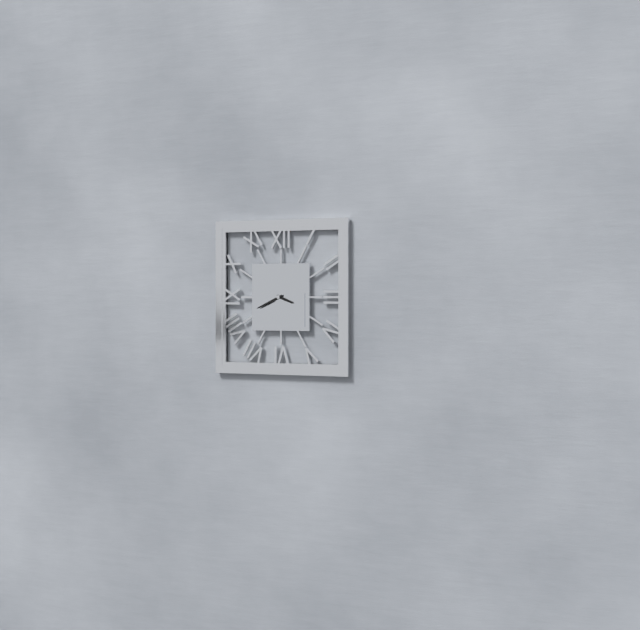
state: 3:41
